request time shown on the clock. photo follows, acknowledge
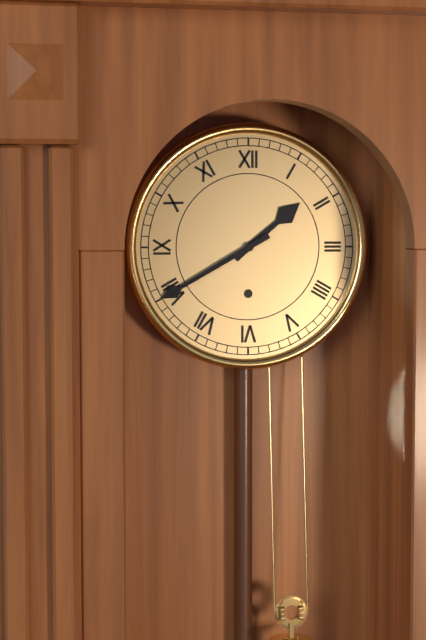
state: 1:40
